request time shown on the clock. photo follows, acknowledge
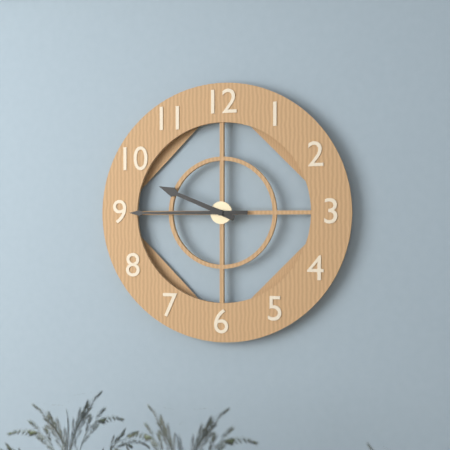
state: 9:45
